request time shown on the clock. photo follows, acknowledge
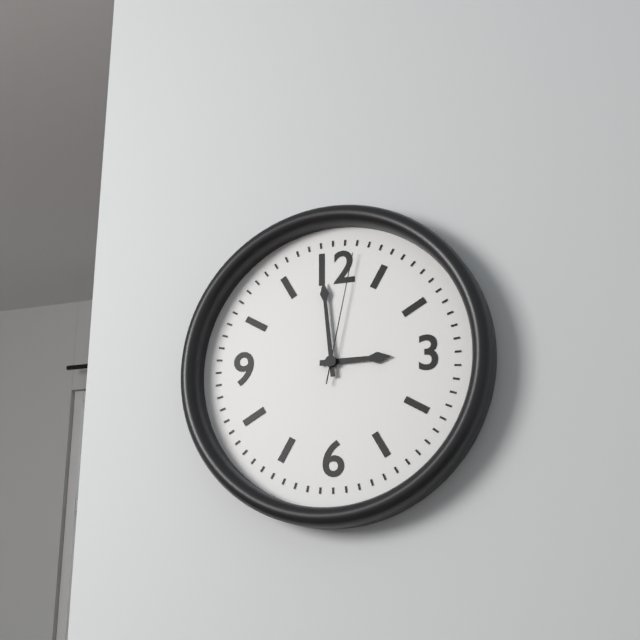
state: 2:59:02
